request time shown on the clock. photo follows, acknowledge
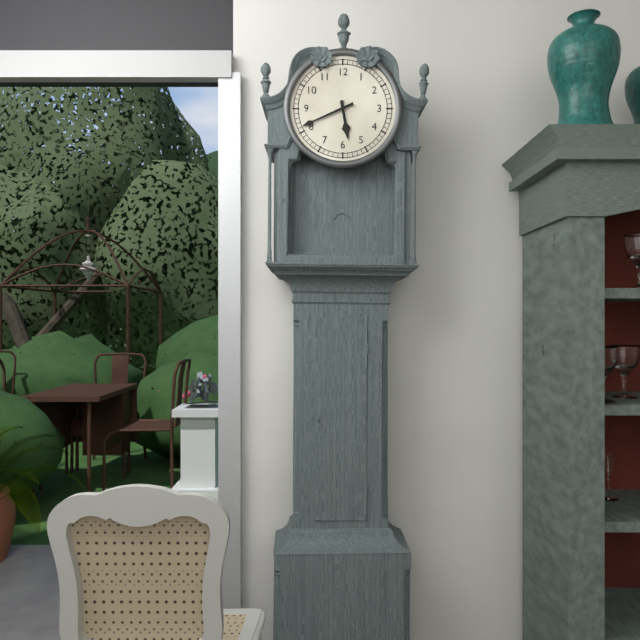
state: 5:41
